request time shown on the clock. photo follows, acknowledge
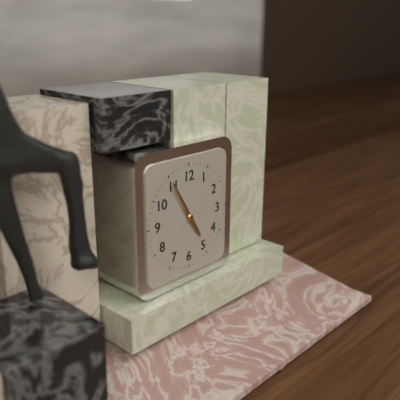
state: 4:55
